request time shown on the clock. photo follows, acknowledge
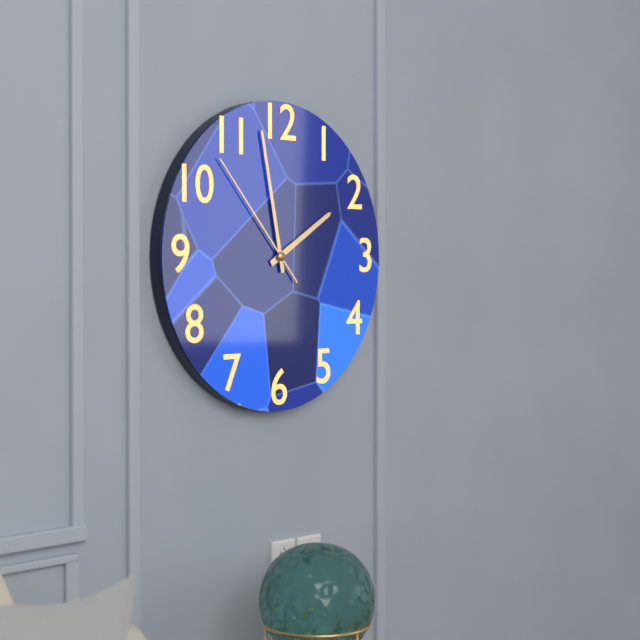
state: 1:58:53
